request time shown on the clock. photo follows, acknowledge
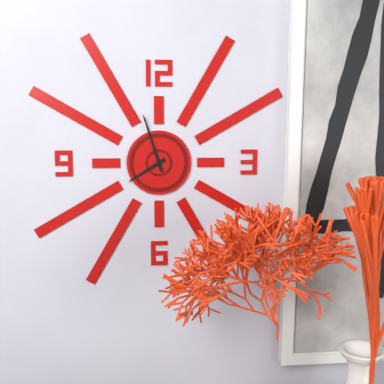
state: 7:57
